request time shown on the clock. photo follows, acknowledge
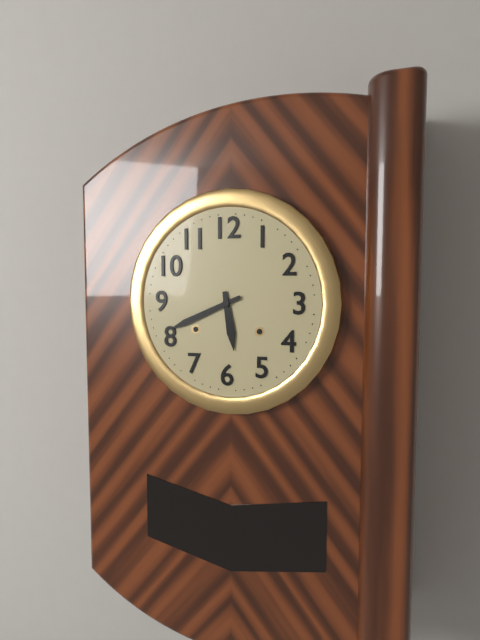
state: 5:41
